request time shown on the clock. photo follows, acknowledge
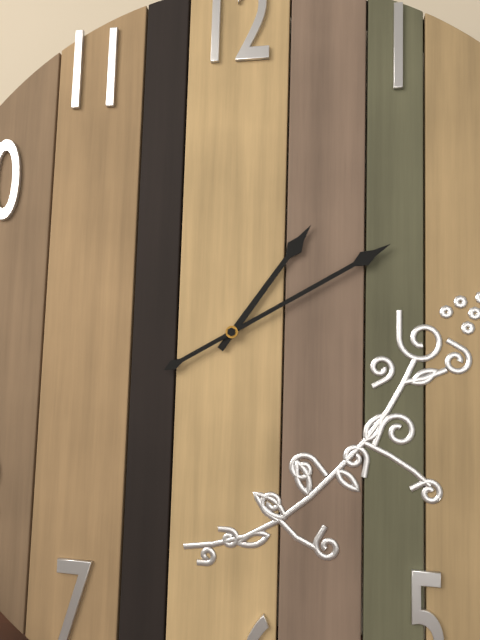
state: 1:10
